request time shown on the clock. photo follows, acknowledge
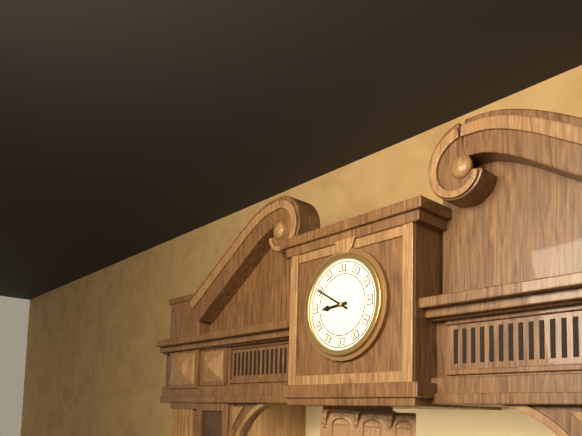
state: 8:50
